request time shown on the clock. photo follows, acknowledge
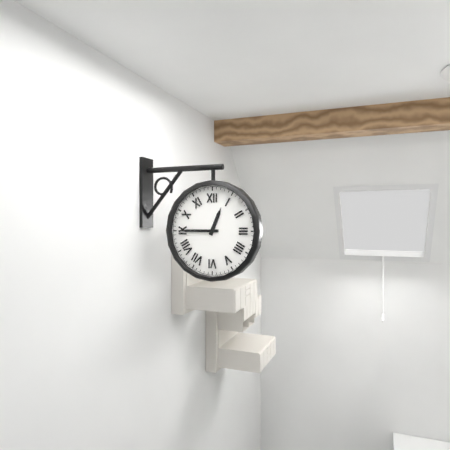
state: 12:45
